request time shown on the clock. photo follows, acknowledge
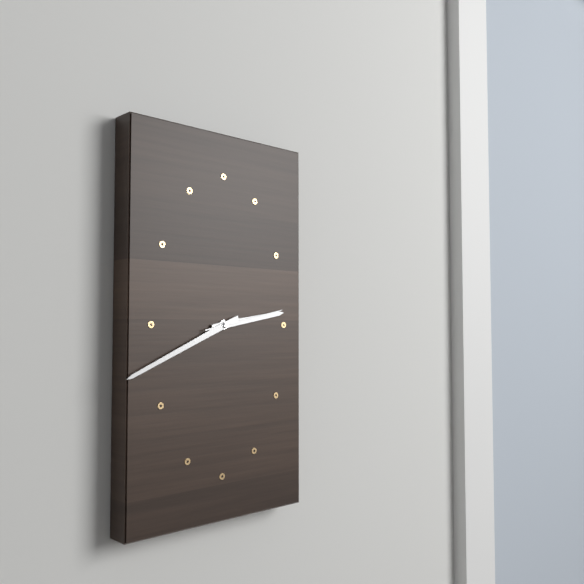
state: 2:41:13
